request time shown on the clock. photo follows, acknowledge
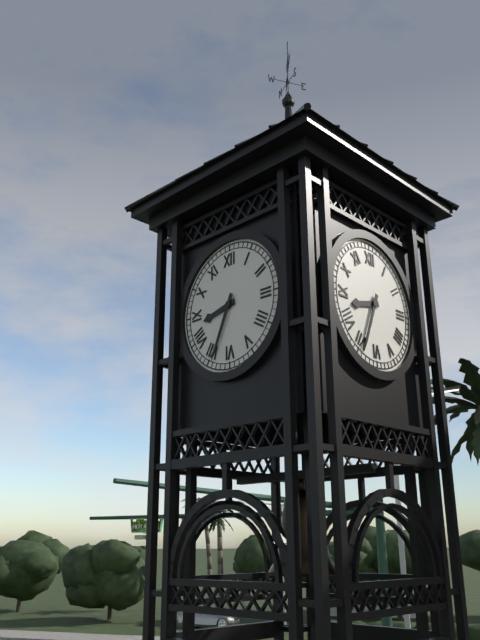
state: 8:34
